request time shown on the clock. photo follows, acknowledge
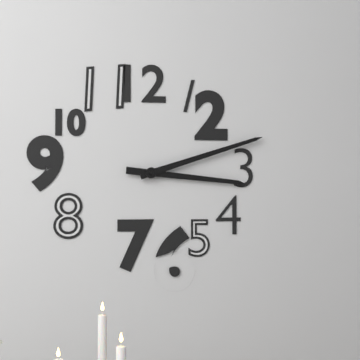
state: 3:12
